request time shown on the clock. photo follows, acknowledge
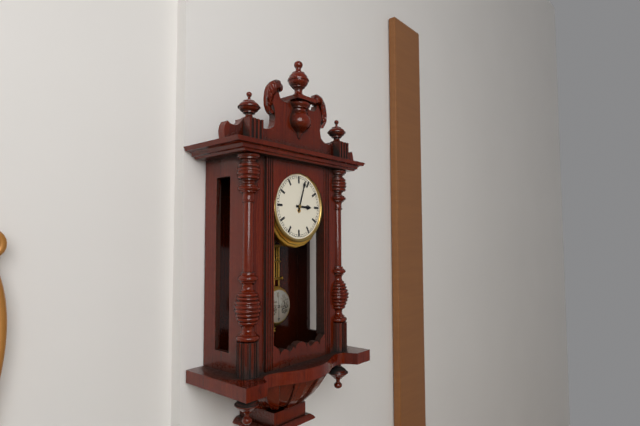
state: 3:03
